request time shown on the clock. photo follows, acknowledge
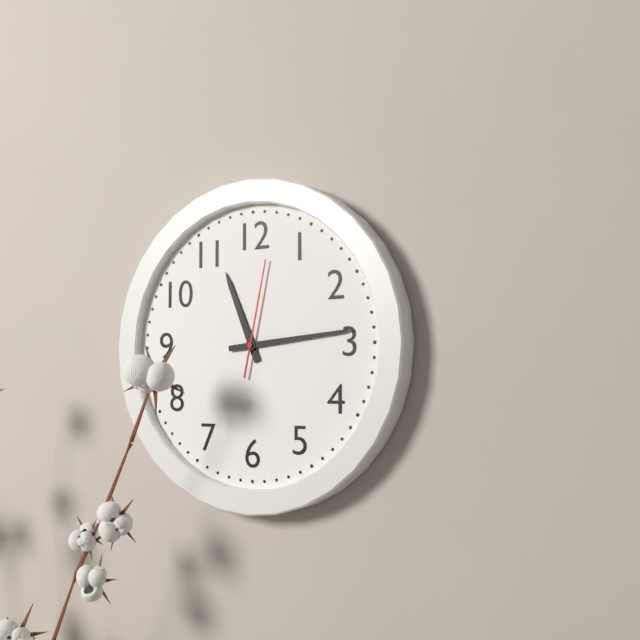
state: 11:14:02
